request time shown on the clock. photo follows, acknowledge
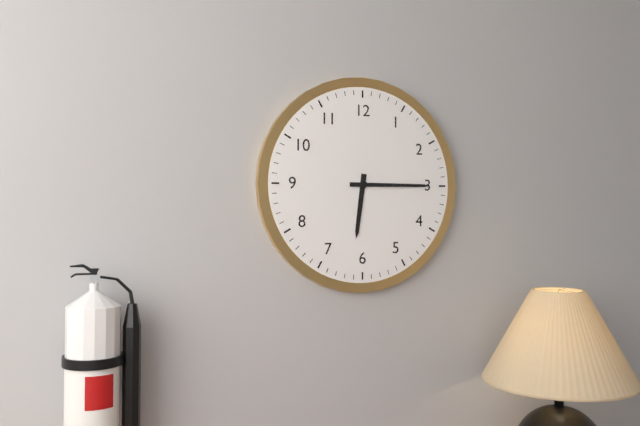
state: 6:15
